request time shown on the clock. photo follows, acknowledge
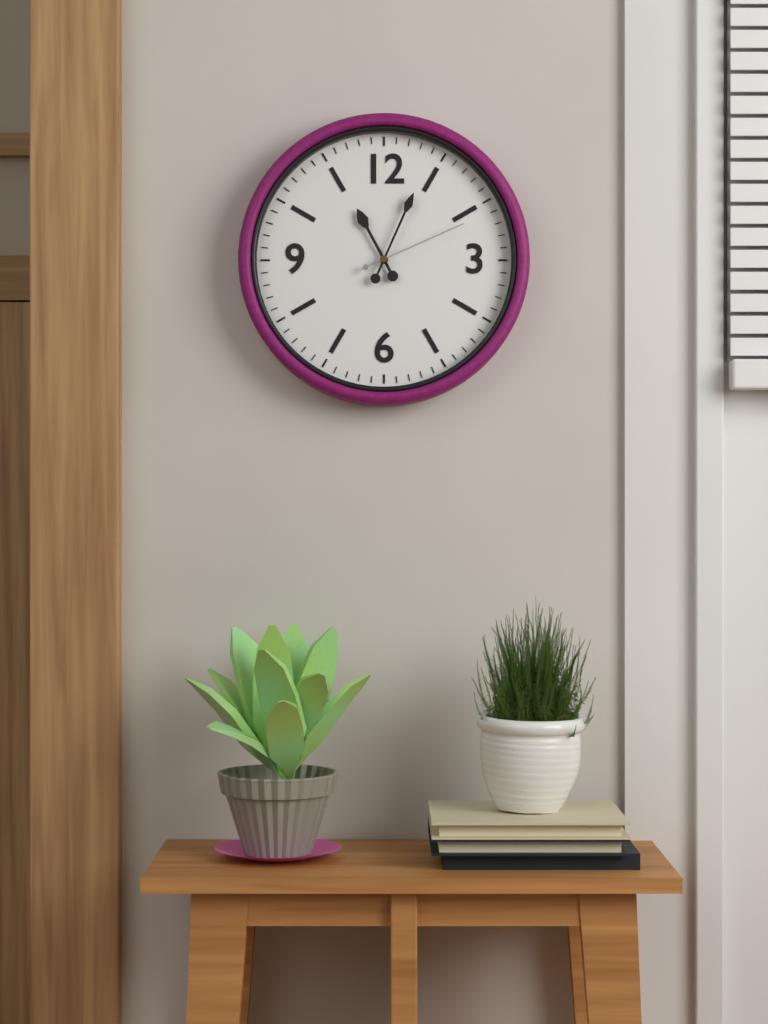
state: 11:04:11
